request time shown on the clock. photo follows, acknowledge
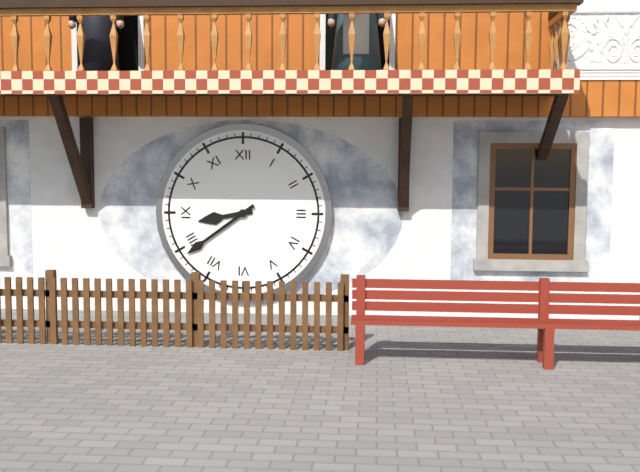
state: 8:39
